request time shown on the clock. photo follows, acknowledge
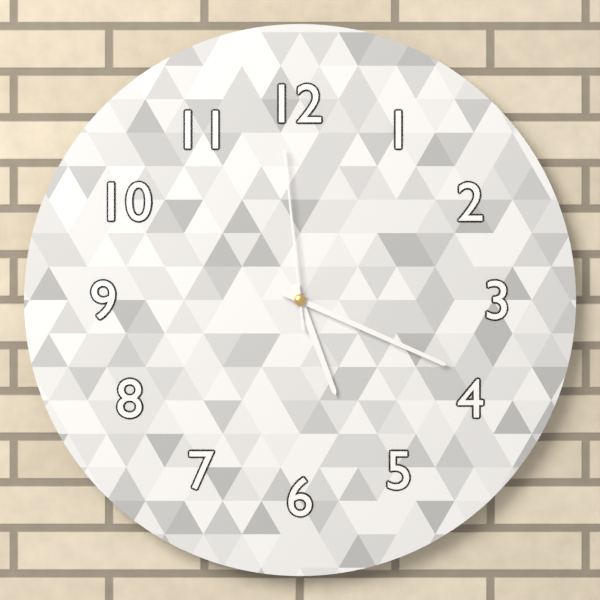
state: 5:19:59
